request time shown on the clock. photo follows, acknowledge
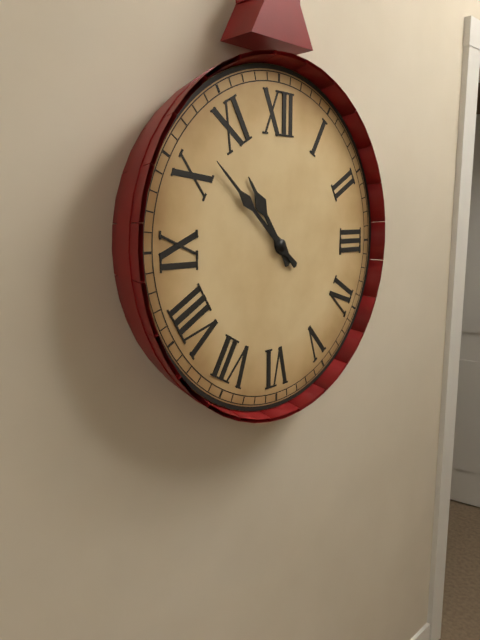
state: 10:52
